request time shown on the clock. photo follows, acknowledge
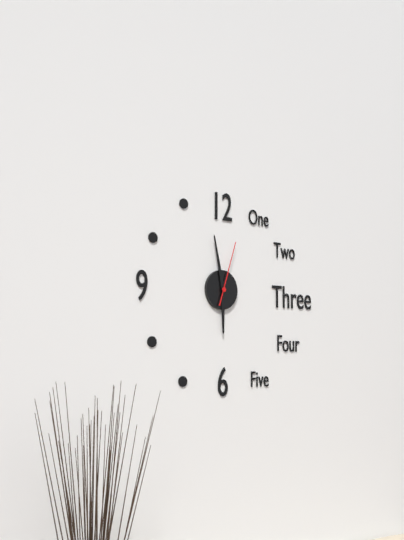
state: 5:58:03
